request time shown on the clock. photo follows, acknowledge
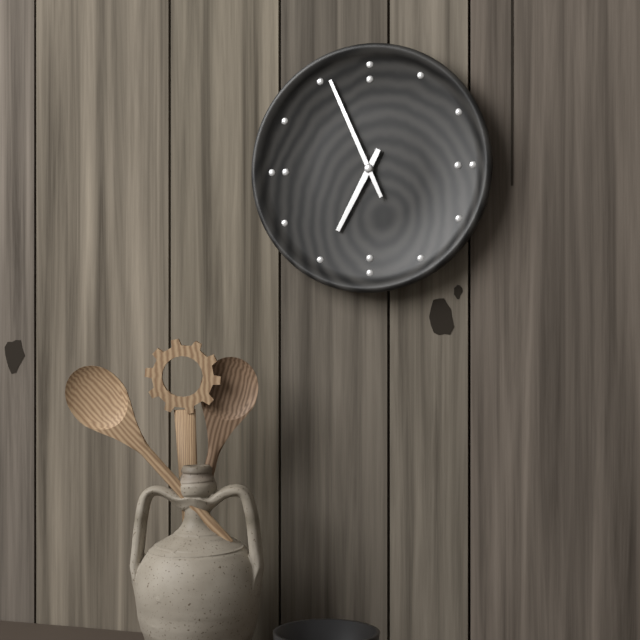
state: 6:56
